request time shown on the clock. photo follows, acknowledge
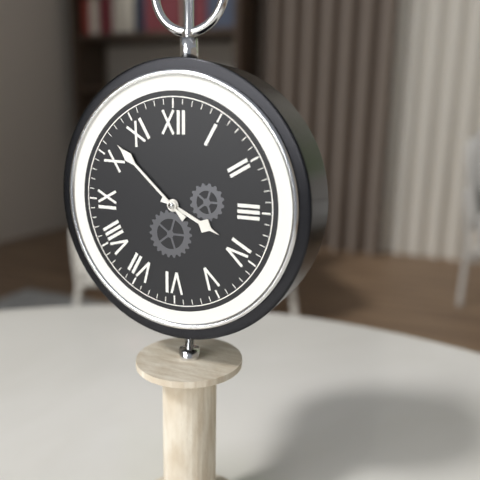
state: 3:52
